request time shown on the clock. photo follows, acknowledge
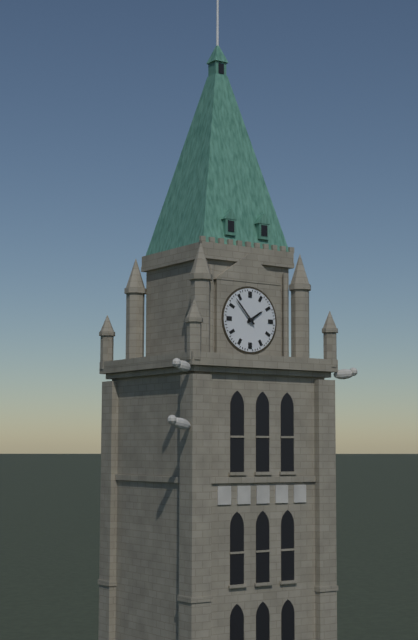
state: 1:53
